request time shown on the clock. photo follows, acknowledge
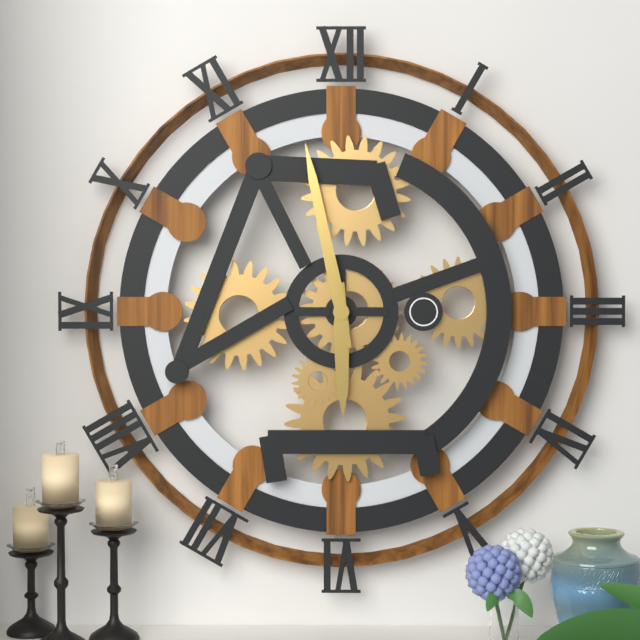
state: 5:58
